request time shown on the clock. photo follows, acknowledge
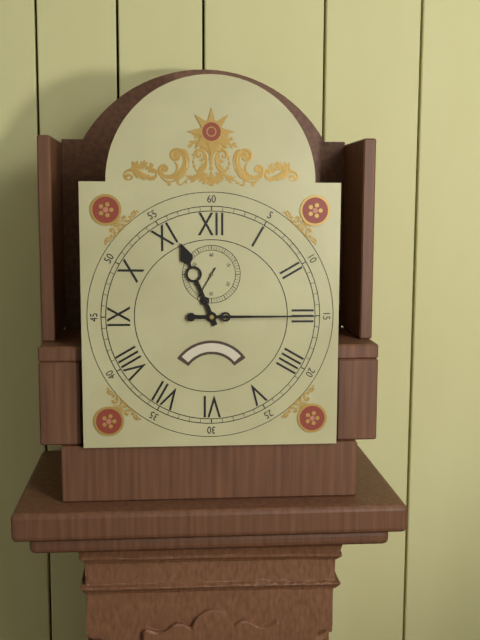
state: 11:15
